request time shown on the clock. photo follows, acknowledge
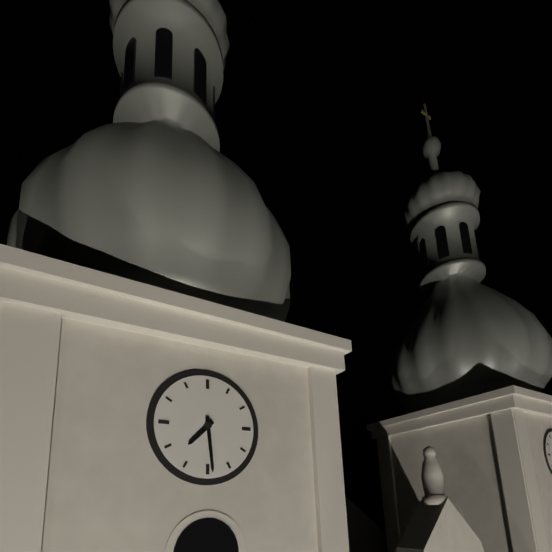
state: 7:29
